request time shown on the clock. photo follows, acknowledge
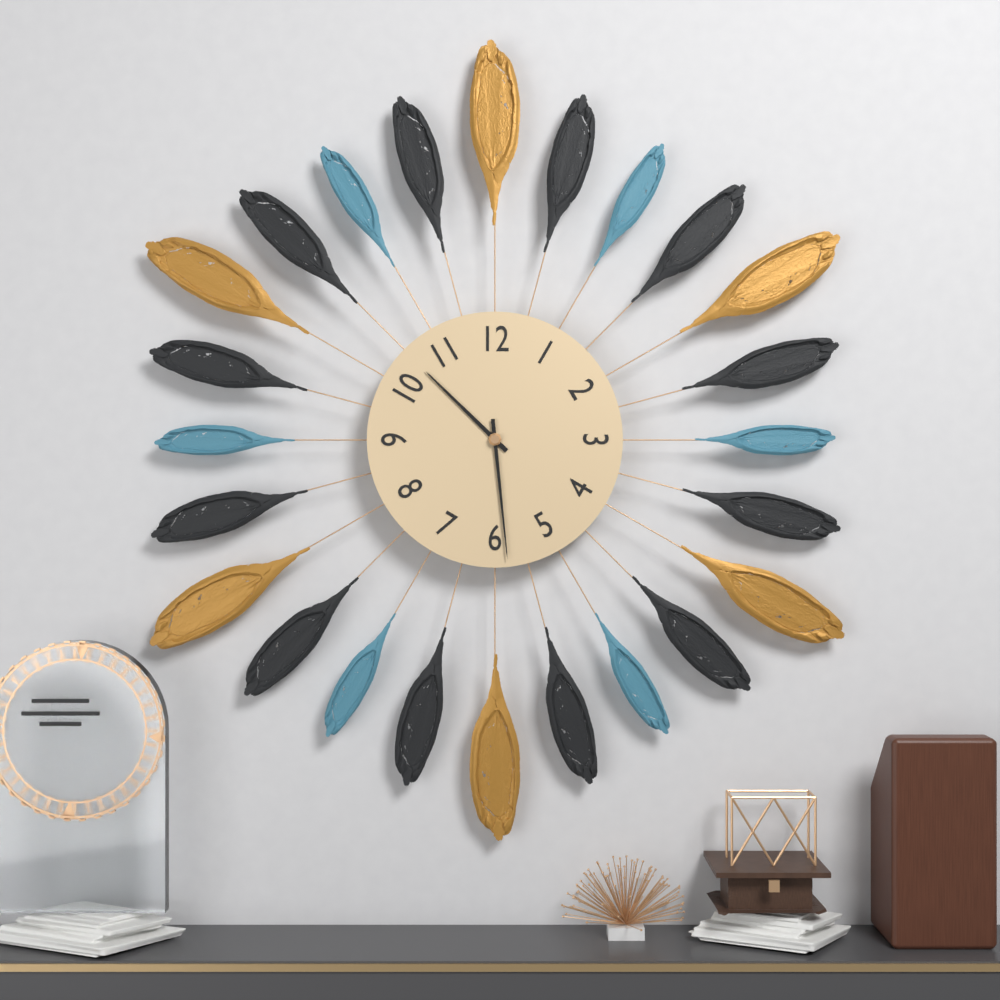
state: 10:29
